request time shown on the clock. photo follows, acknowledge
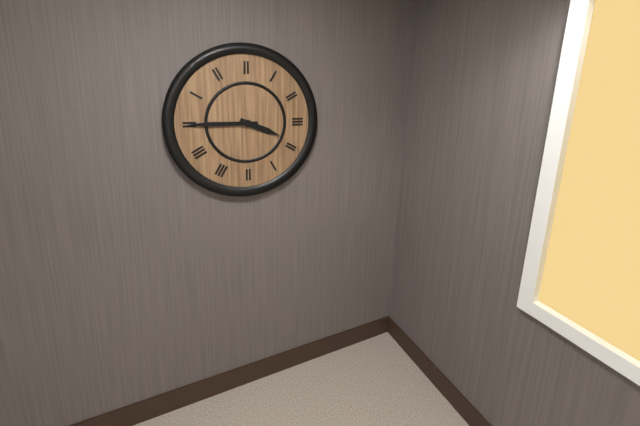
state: 3:45
